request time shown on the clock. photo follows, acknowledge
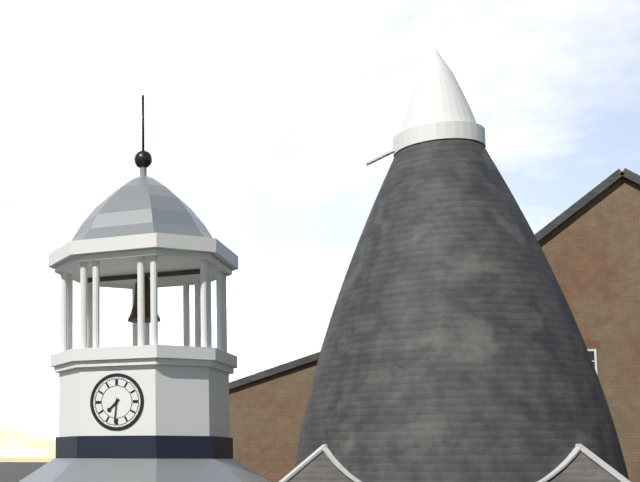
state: 7:31
